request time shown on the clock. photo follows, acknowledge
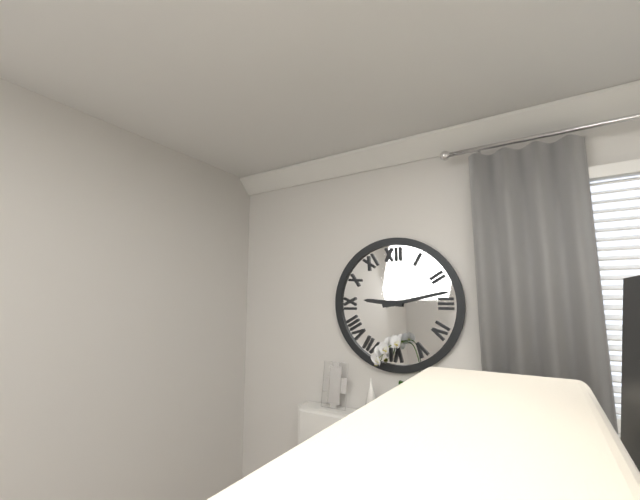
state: 9:13
